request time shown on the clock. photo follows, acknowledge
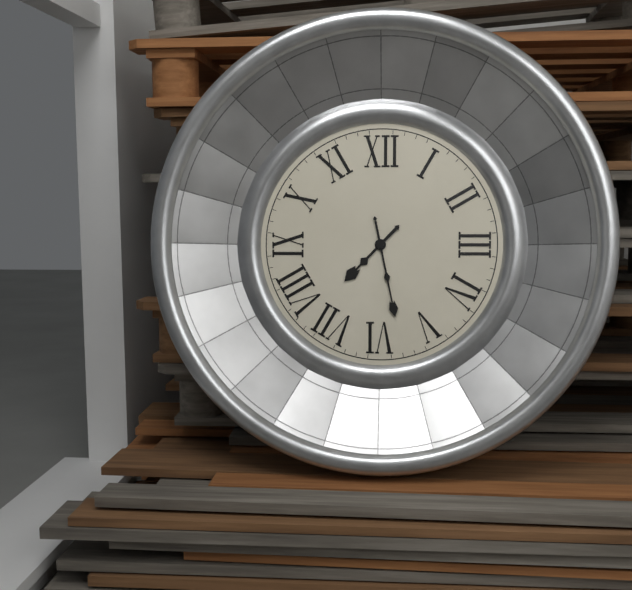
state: 7:28
